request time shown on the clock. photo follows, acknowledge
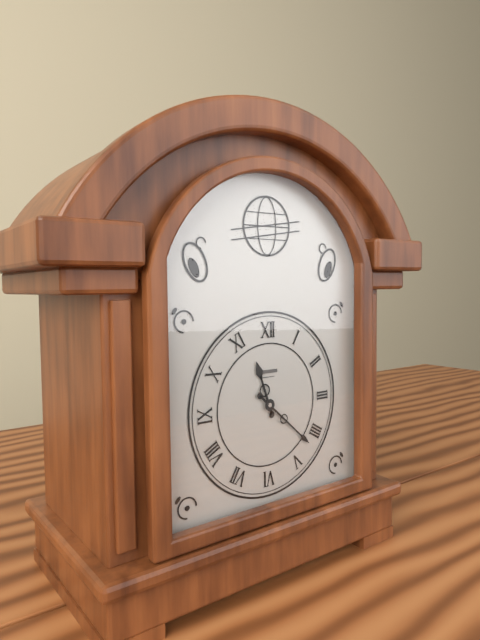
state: 11:22
